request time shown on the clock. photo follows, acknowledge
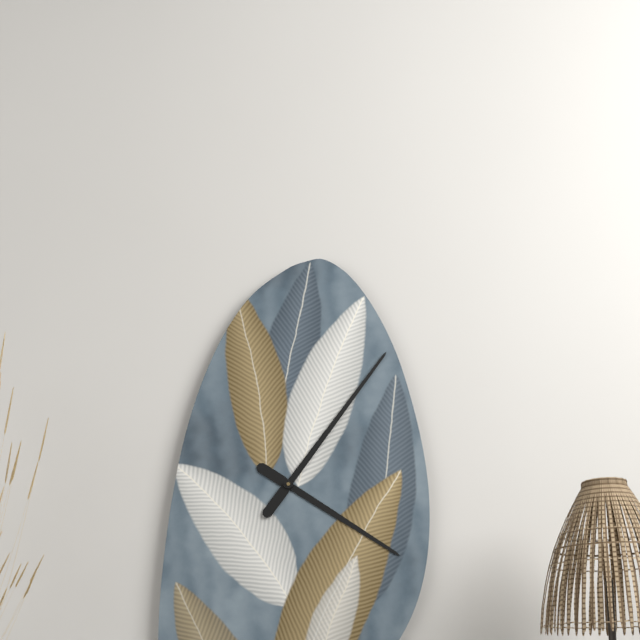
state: 4:06
